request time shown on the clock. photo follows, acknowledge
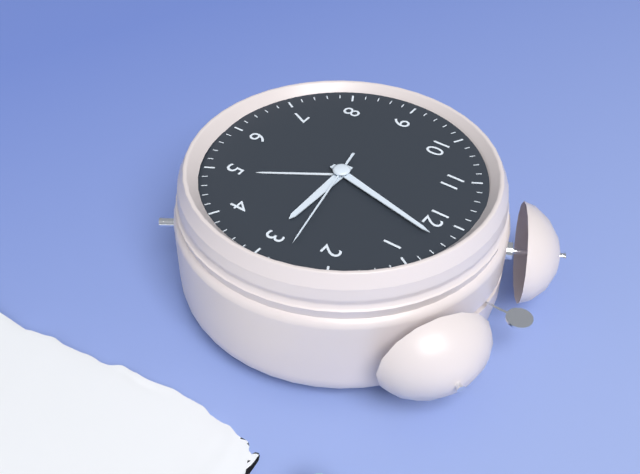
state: 3:02:13
